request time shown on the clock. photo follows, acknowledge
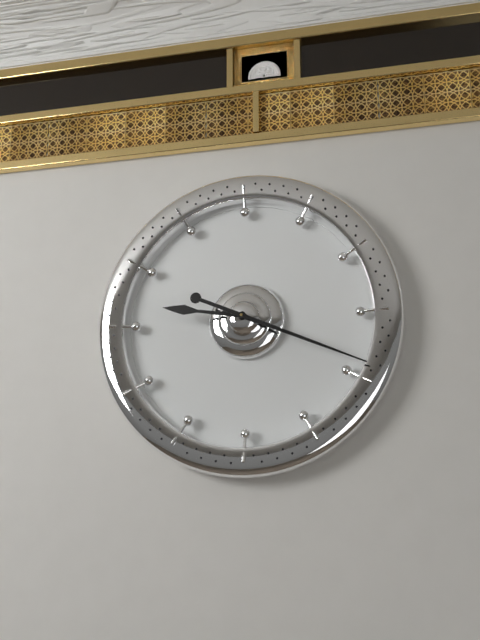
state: 9:19
